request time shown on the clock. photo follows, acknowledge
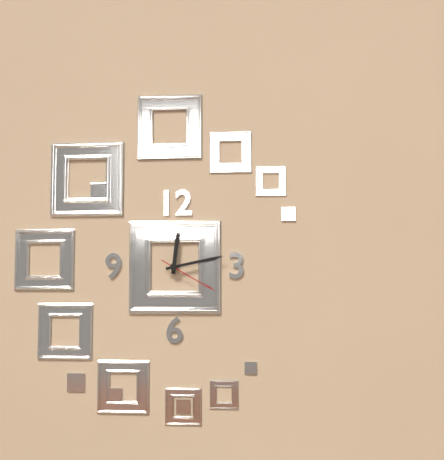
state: 12:13:20
